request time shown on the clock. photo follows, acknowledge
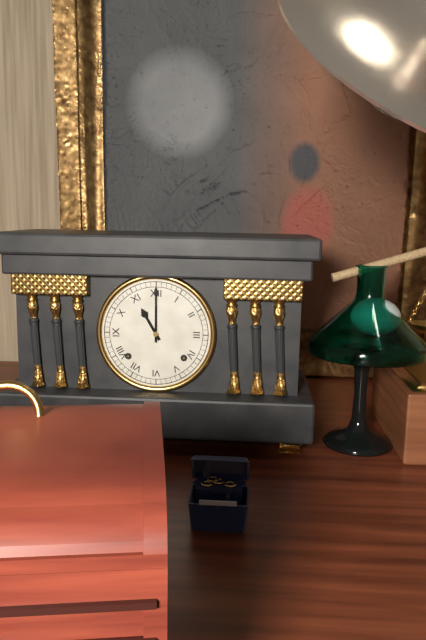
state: 11:00
